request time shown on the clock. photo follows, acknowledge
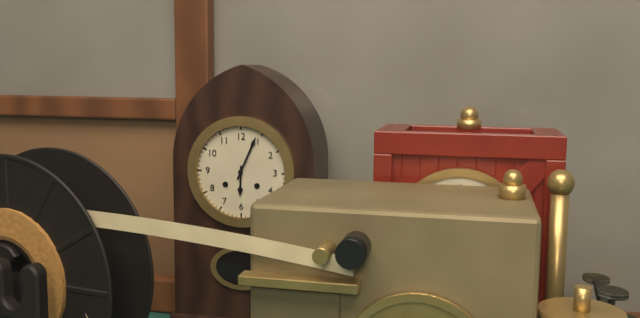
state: 6:04
